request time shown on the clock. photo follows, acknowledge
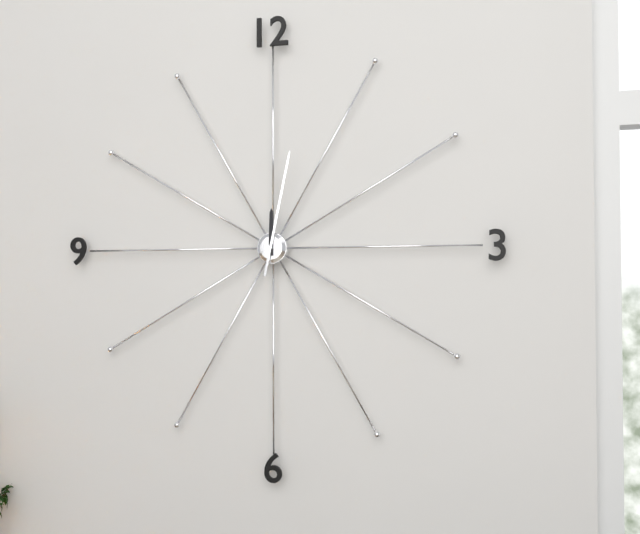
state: 12:02
